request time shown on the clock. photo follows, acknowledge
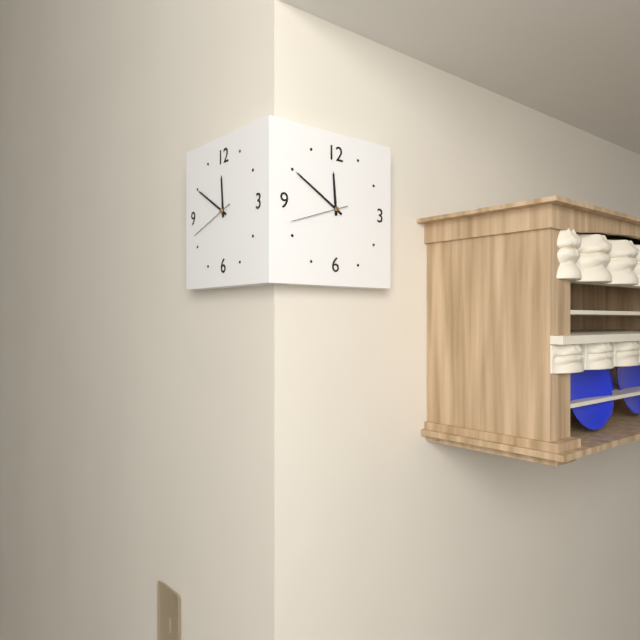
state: 11:50:42
